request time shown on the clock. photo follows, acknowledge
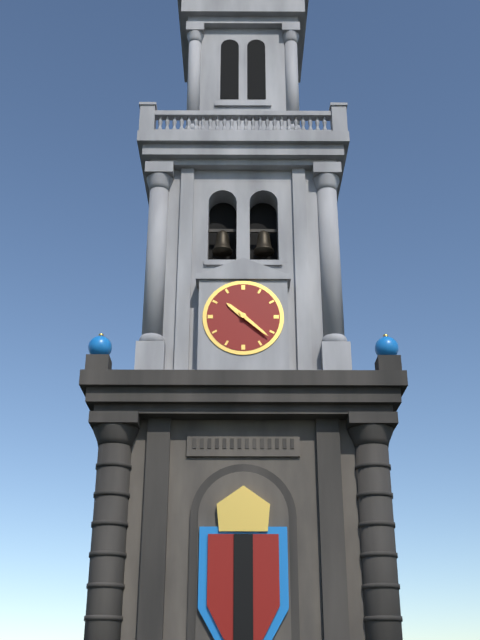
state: 10:22
